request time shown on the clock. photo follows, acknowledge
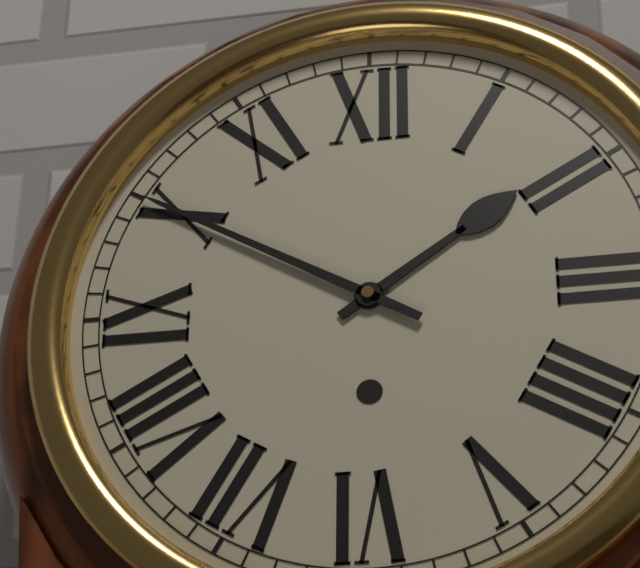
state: 1:50
